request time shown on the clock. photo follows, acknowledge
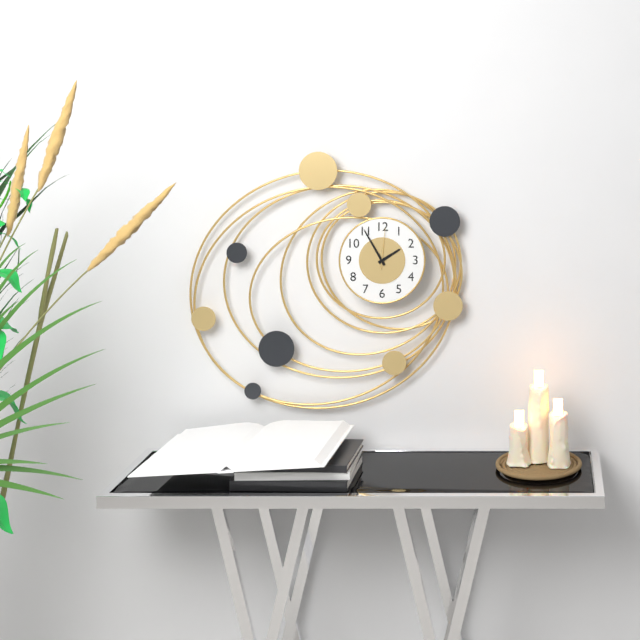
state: 1:55
